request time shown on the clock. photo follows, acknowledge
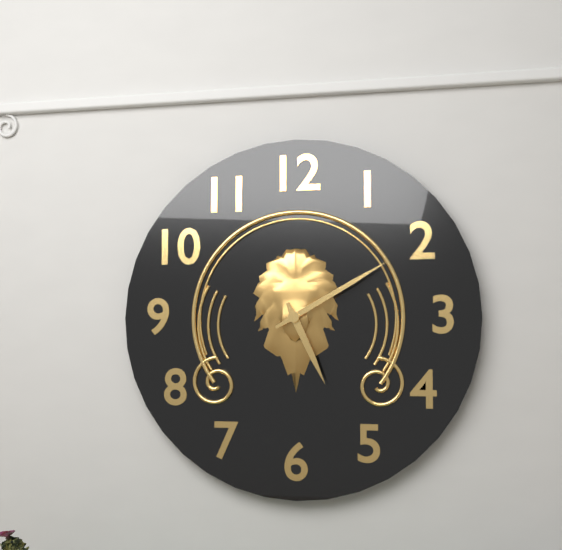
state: 5:10
